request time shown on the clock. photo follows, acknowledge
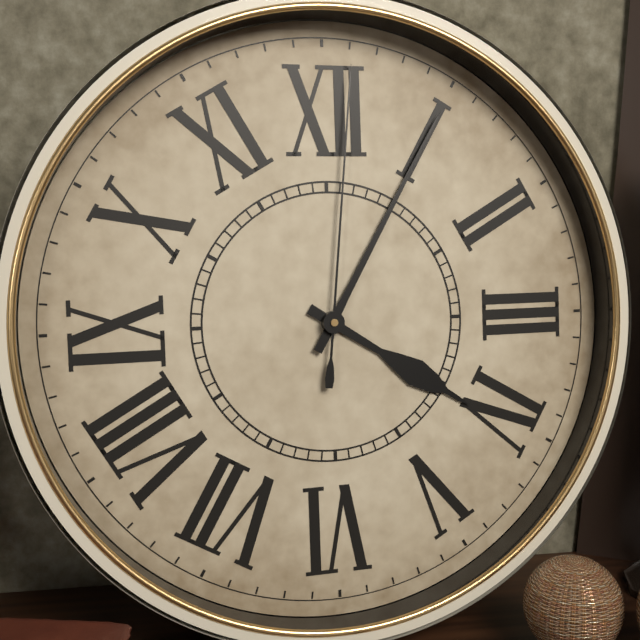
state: 4:05:01
